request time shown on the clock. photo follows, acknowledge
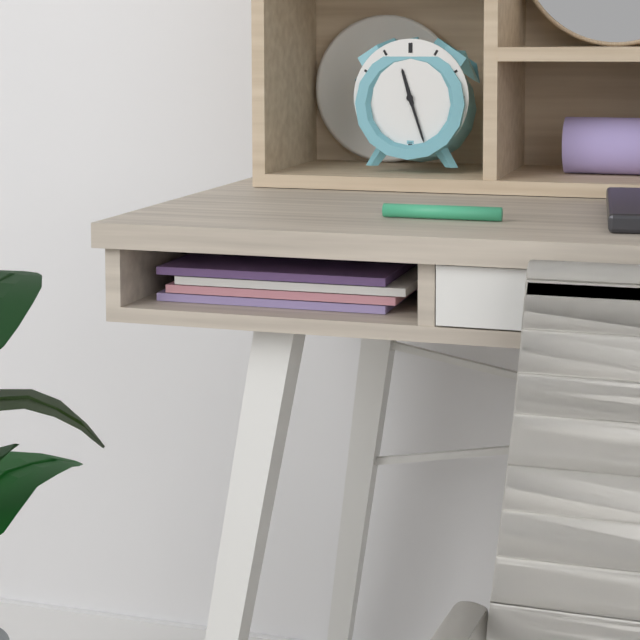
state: 11:27
